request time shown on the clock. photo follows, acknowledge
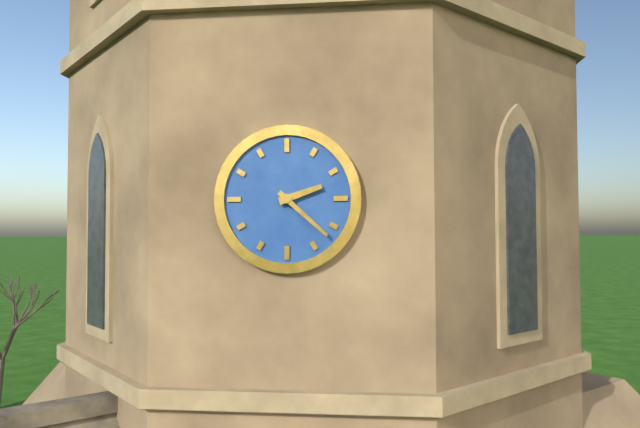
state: 2:22
